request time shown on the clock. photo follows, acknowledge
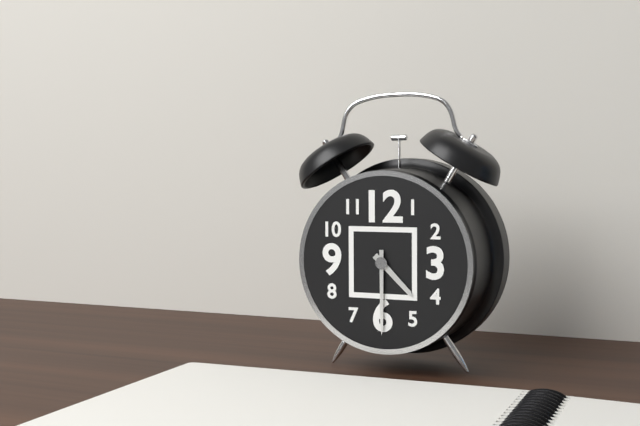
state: 4:30
